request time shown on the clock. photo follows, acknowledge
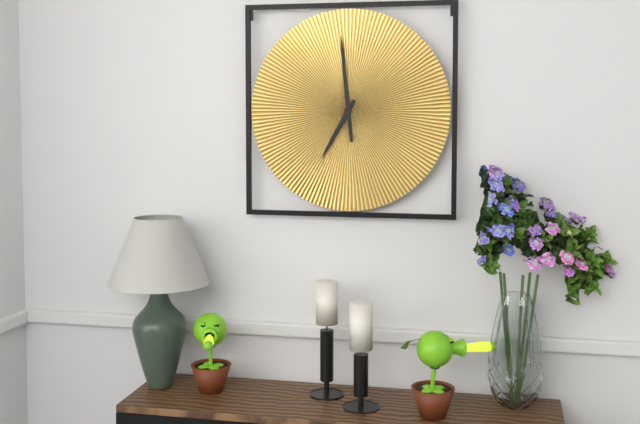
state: 6:59
